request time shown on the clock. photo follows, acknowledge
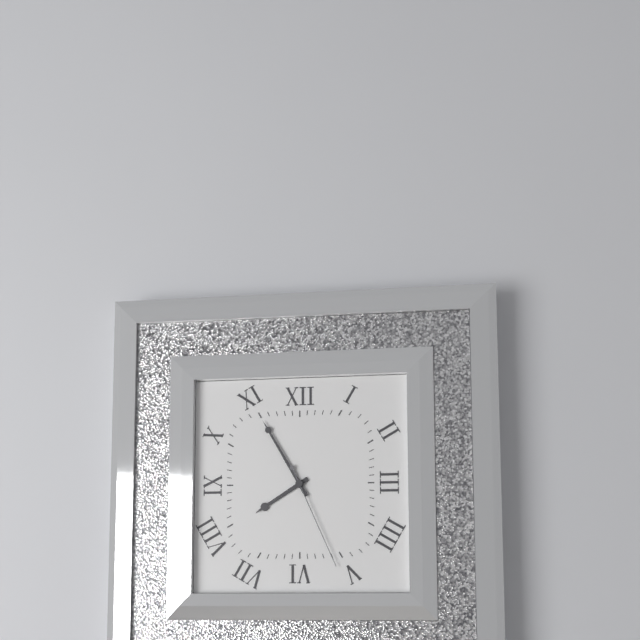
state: 7:55:26
